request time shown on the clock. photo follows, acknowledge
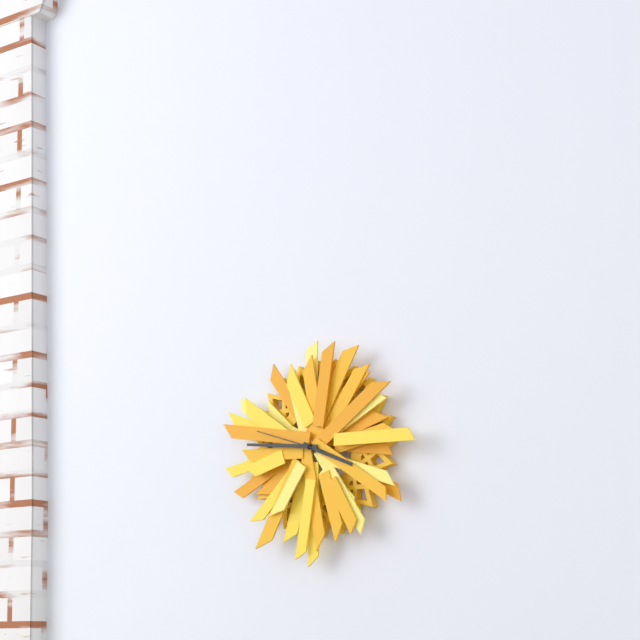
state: 3:46:48
